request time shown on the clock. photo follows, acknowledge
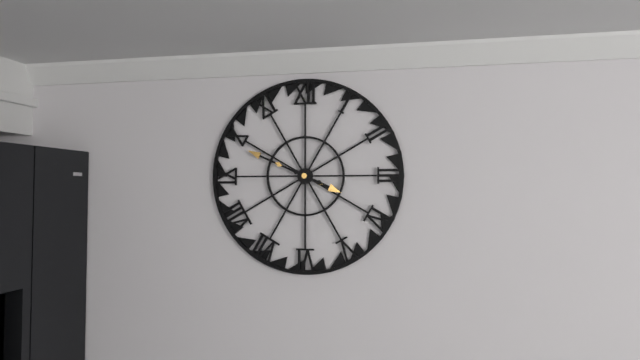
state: 3:49
